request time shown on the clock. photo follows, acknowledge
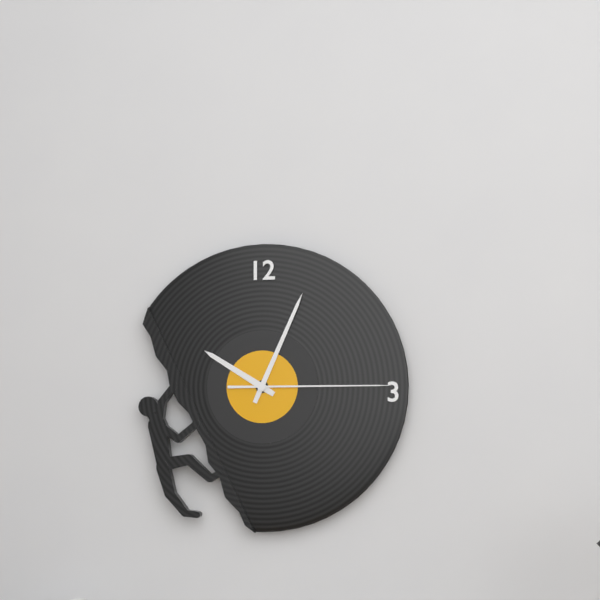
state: 10:04:15
